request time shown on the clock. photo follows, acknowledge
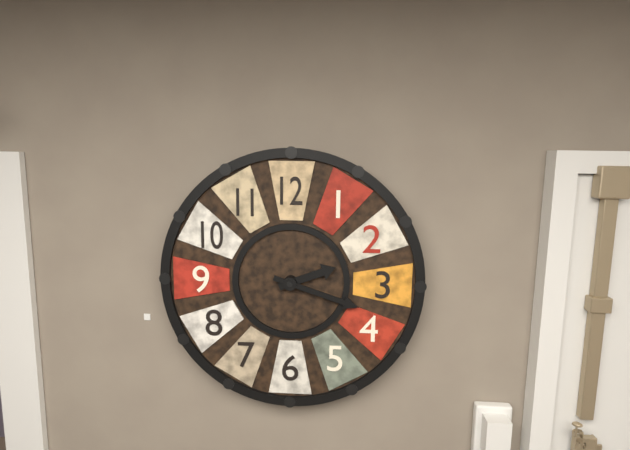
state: 2:18
